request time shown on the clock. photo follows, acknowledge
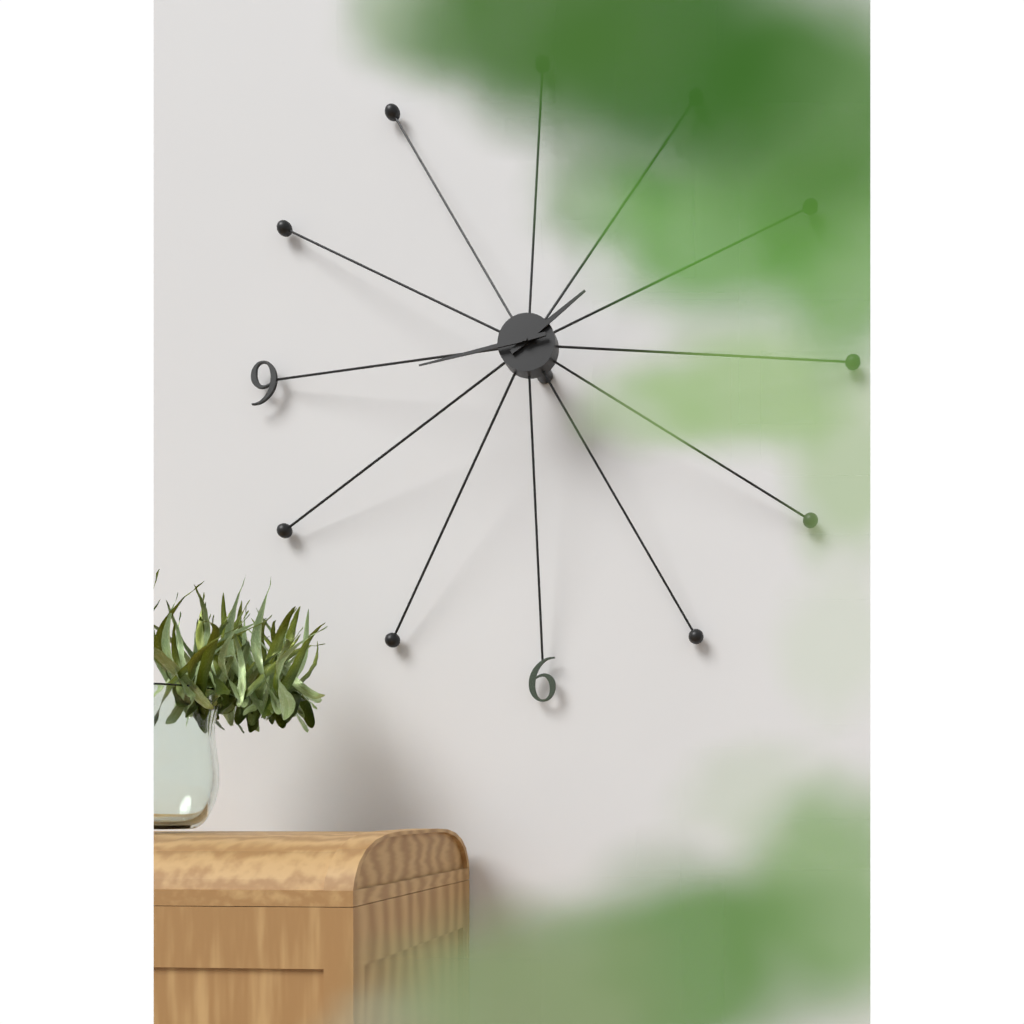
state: 1:43
